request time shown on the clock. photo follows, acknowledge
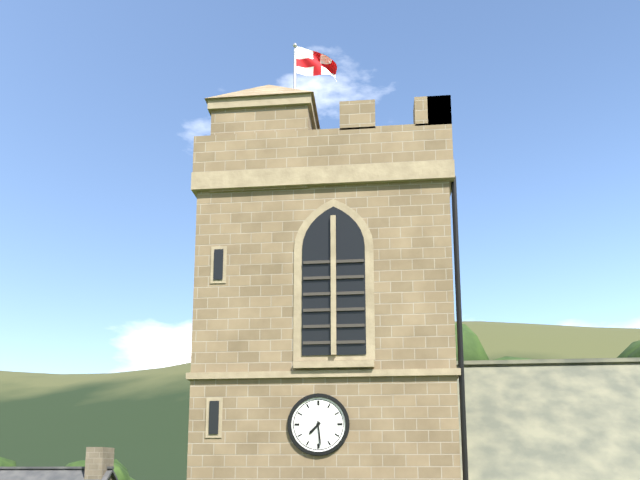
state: 7:29
